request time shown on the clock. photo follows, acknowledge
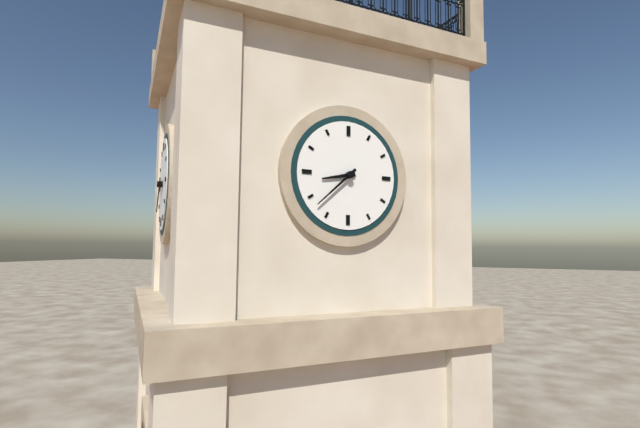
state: 8:38
